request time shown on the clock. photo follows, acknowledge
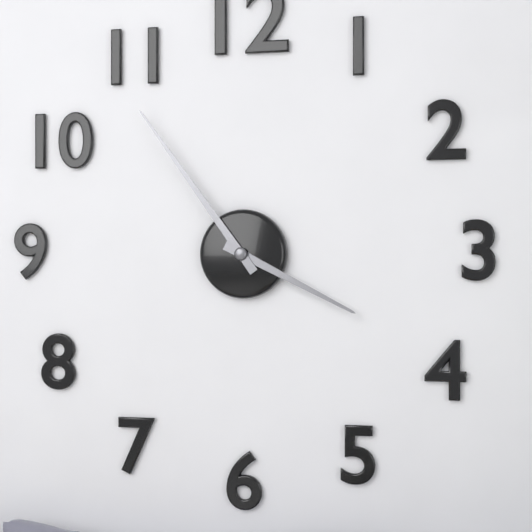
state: 3:54
